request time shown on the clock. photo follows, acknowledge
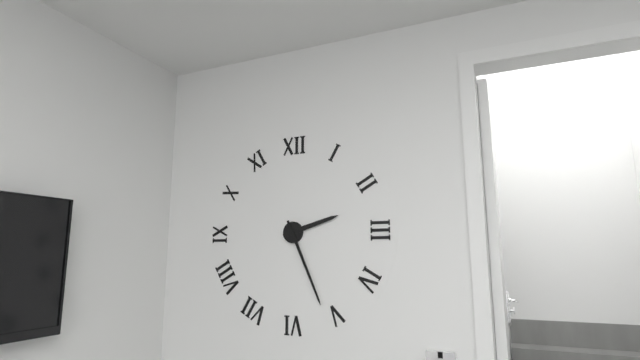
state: 2:26
